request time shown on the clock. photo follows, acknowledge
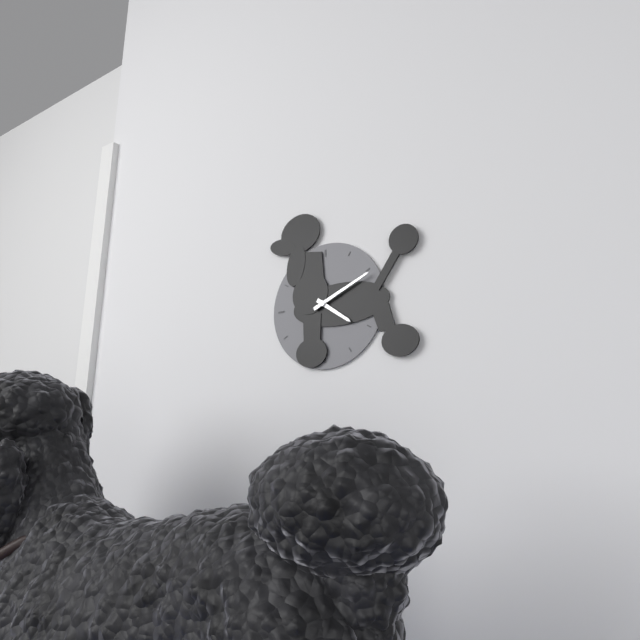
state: 4:11
